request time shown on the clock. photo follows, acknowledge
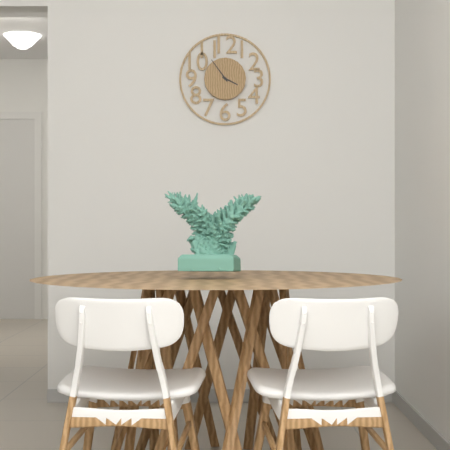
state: 3:54
